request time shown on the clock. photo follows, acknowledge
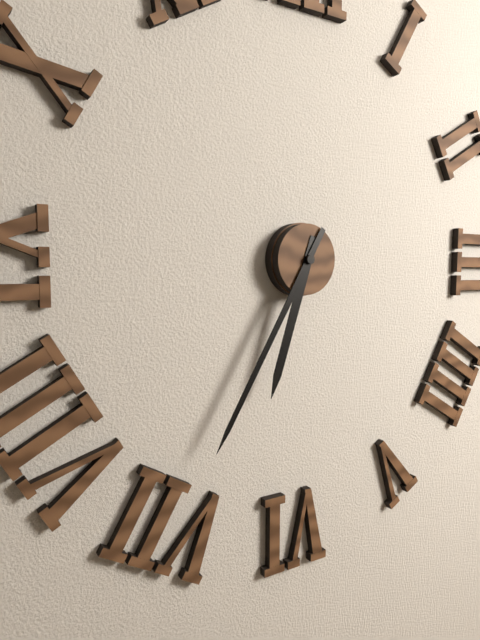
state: 6:35
